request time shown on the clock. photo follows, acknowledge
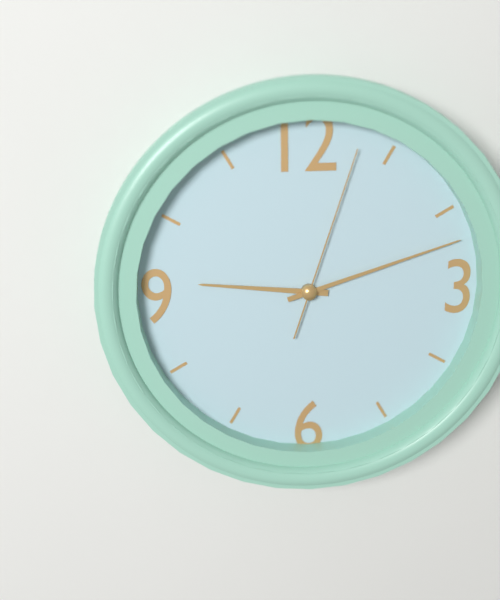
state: 9:12:03
